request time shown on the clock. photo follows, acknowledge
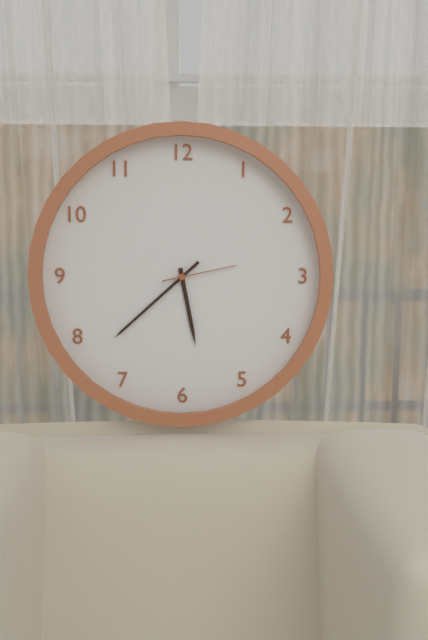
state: 5:38:13
